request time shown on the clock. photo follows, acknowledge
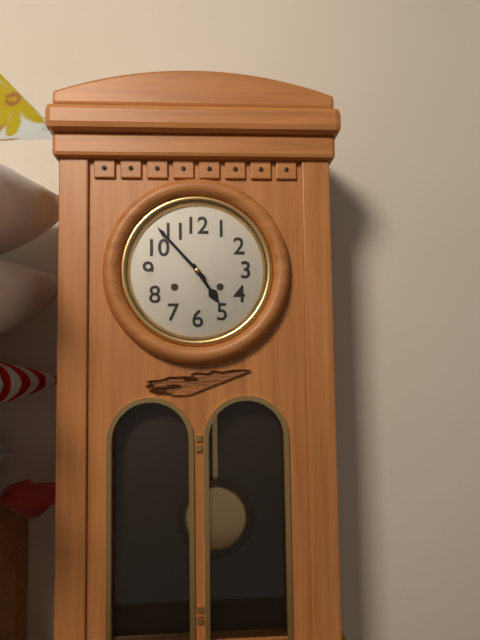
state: 4:53
